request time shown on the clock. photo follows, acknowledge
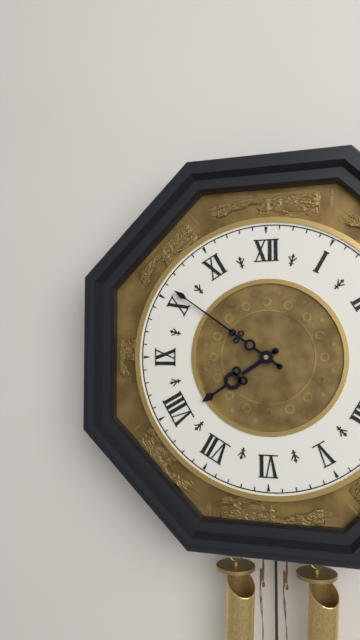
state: 7:51
